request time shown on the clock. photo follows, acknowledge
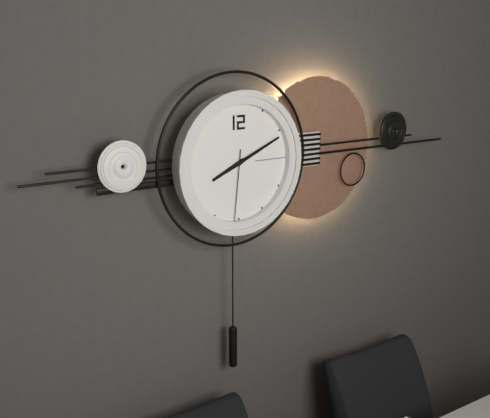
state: 8:11:31
